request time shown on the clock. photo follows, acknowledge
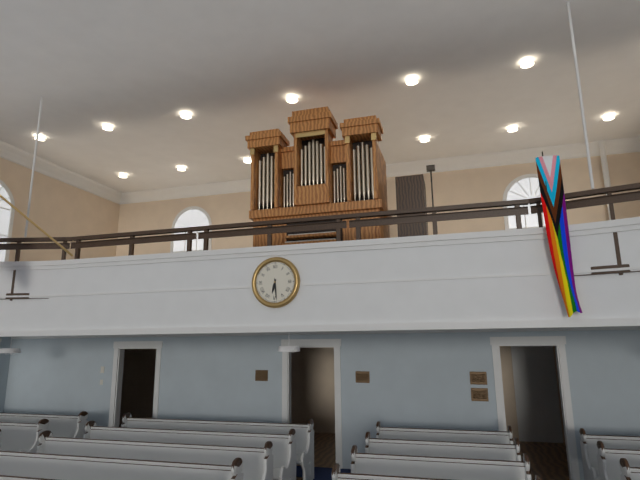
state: 6:29
